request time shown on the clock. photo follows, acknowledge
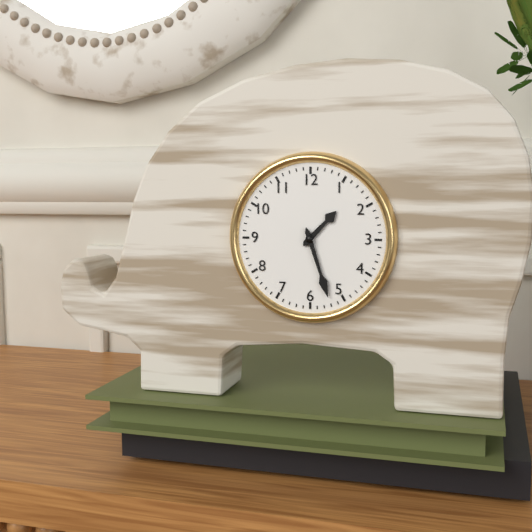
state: 1:27
